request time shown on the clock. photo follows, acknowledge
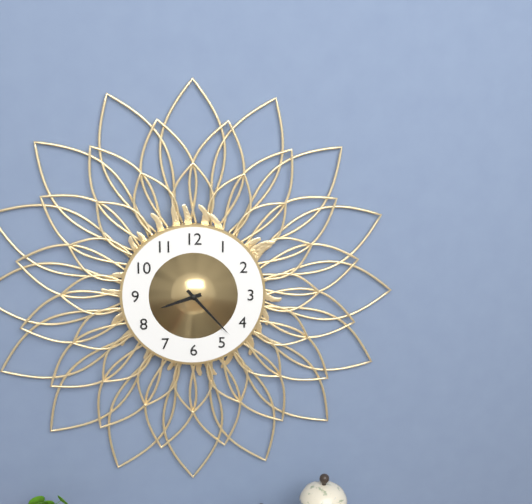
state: 8:23
